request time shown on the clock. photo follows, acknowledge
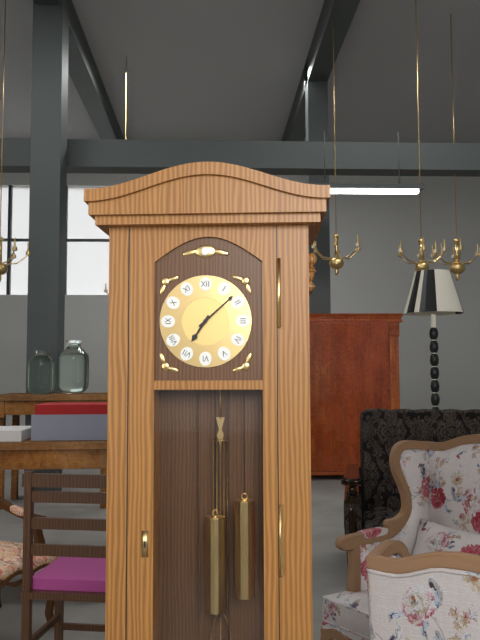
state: 7:08
